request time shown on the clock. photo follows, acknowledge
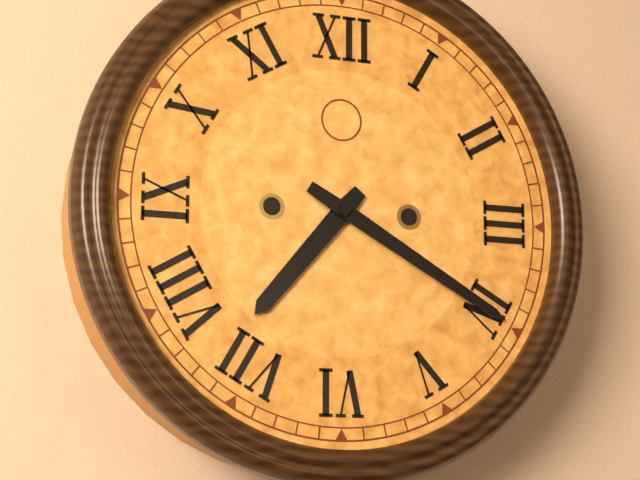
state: 7:20
